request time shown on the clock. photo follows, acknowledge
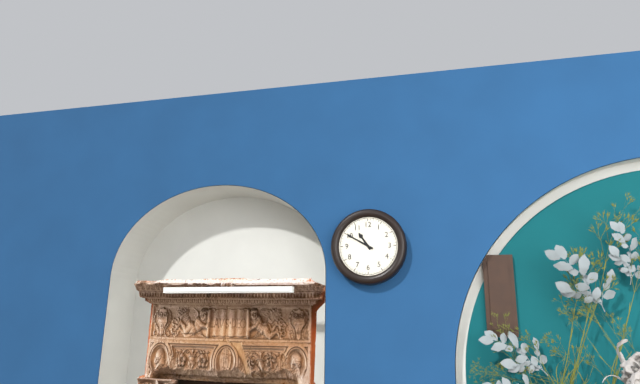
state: 10:50
